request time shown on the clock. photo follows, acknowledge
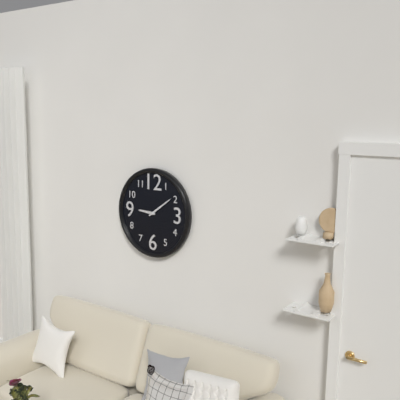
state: 9:09
